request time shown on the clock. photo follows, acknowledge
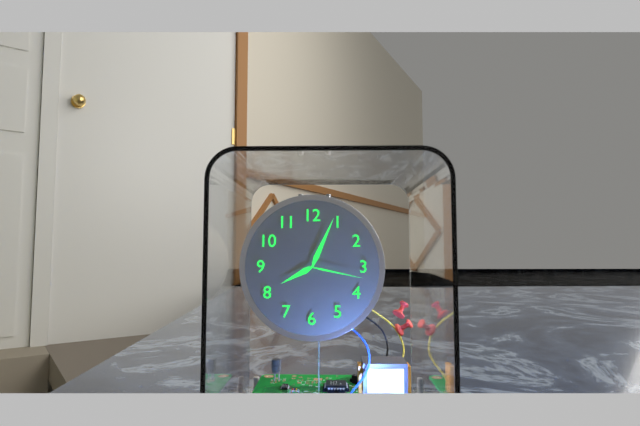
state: 8:04:17
